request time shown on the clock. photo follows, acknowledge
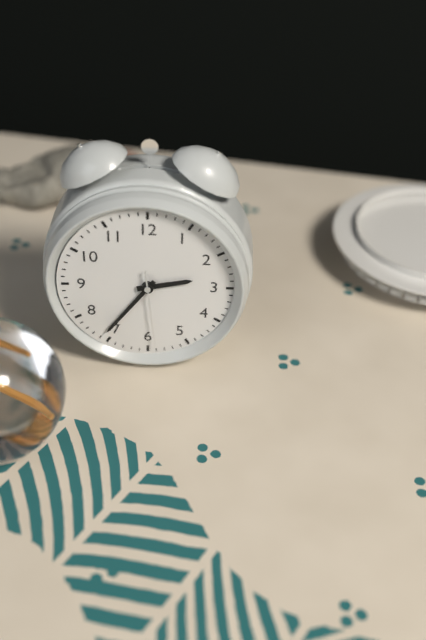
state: 2:36:29
